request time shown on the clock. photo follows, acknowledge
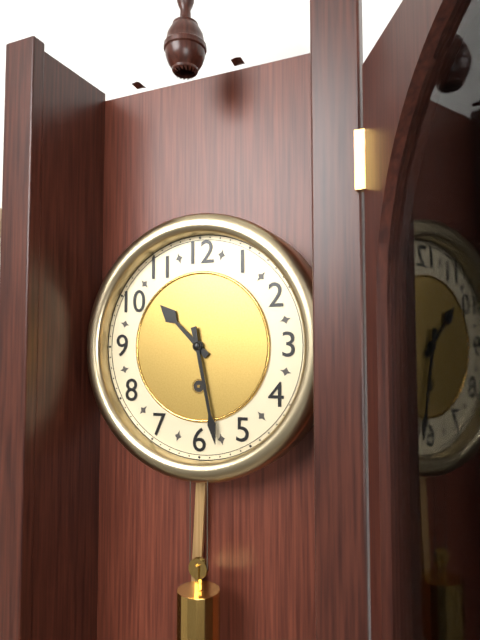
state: 10:28
